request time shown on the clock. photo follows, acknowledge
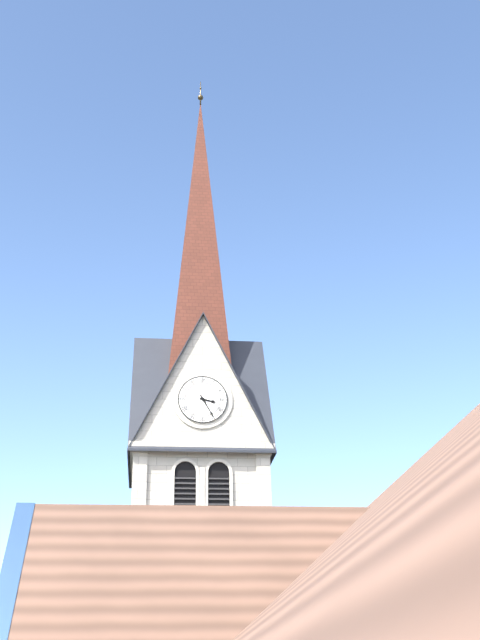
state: 3:25
